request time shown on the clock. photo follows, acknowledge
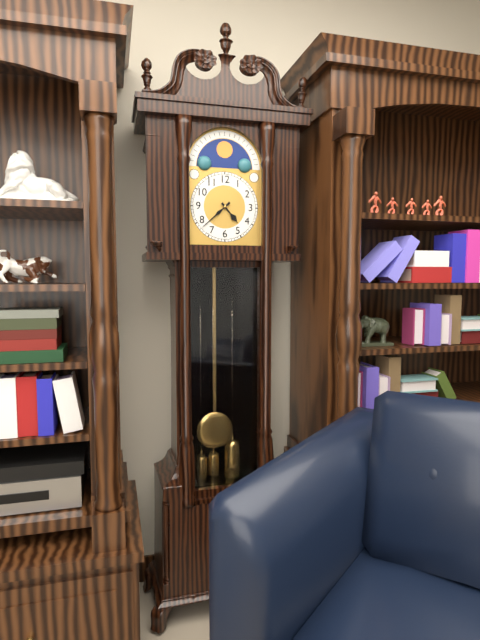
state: 4:38
